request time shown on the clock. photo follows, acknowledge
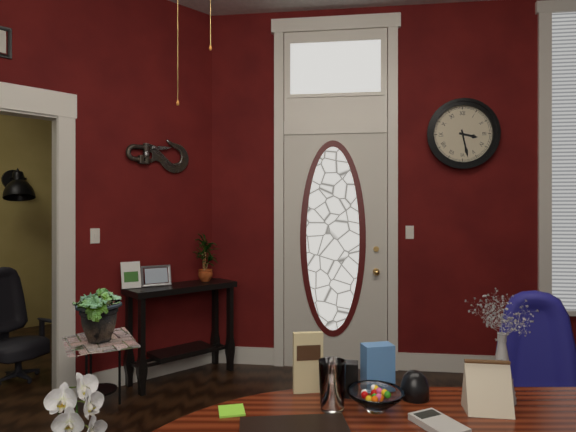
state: 3:28
